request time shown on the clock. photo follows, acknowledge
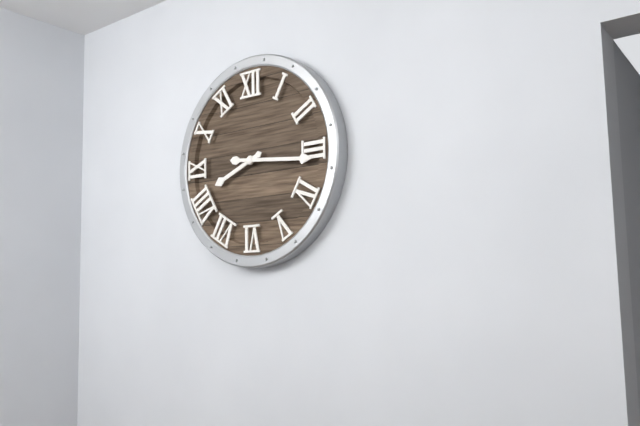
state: 8:16
